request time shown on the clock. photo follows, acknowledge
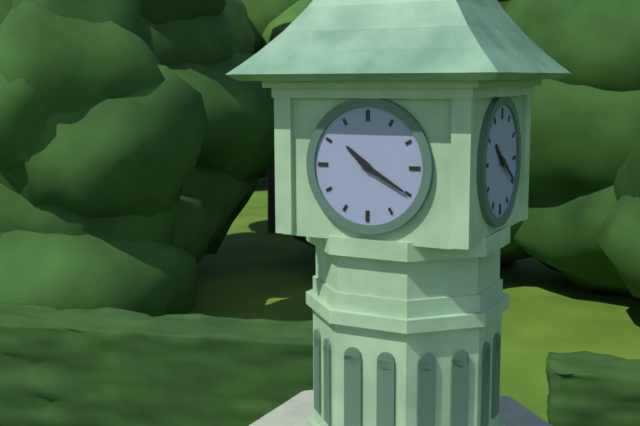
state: 10:20
